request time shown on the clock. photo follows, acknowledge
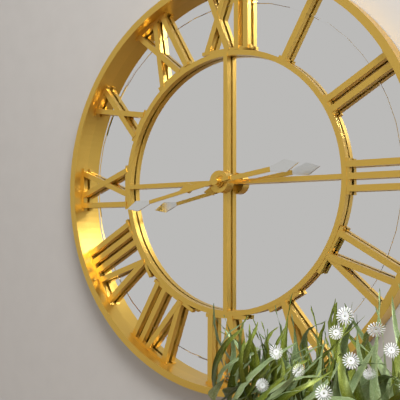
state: 2:43
